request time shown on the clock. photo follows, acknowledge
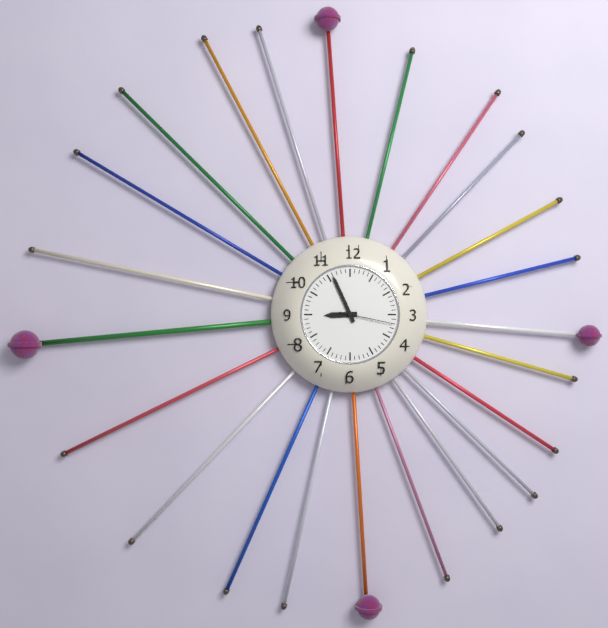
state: 8:56:17
